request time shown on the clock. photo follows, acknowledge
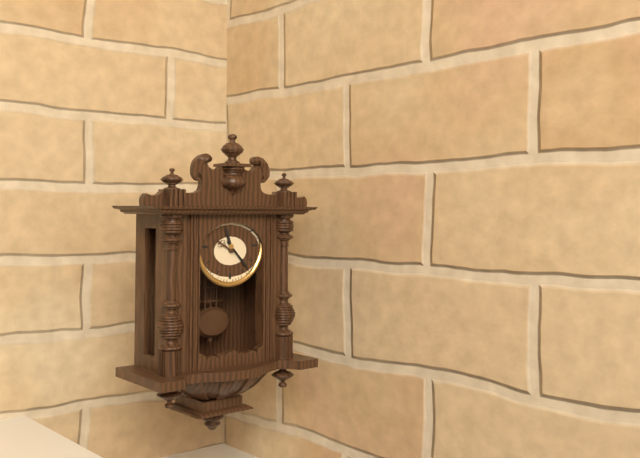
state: 11:23
